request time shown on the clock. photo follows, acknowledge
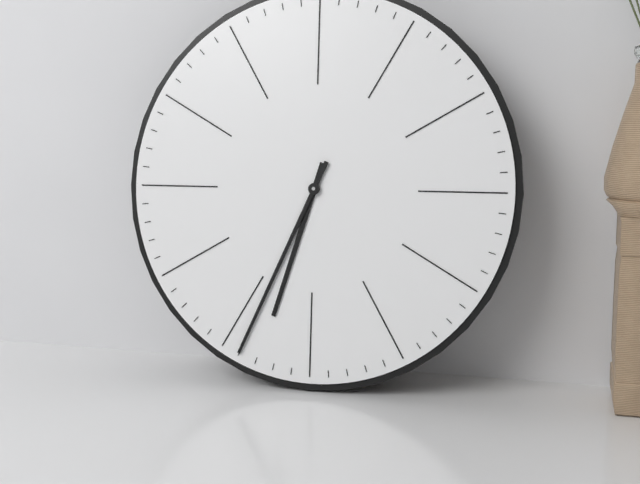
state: 6:34
